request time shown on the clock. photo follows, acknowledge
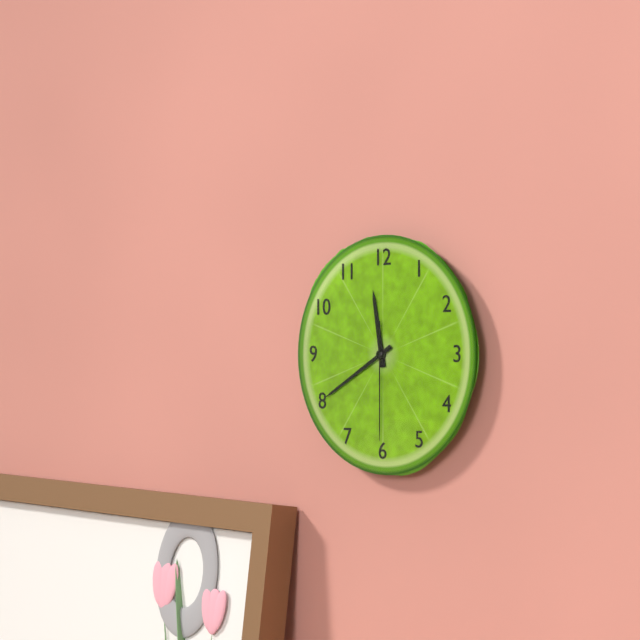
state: 11:40:30
